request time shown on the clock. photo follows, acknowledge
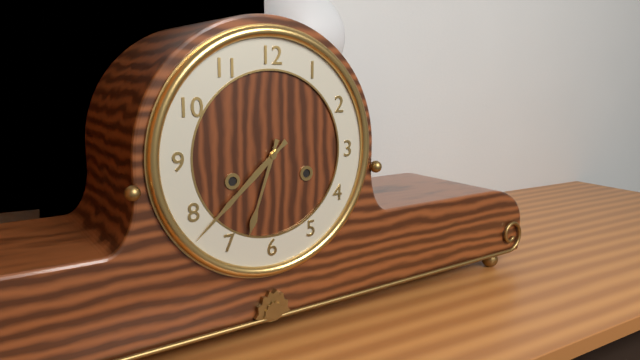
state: 6:38
